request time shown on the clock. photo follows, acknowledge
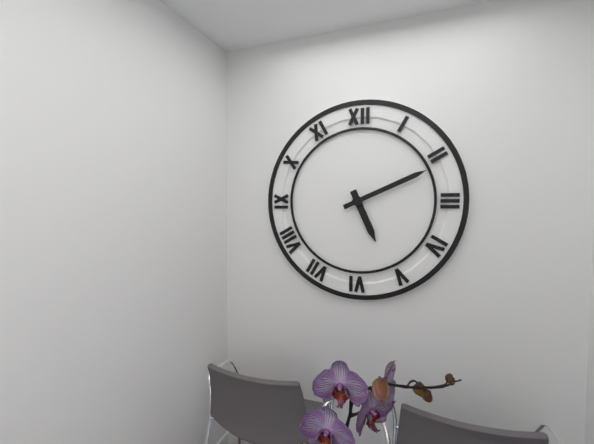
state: 5:11
